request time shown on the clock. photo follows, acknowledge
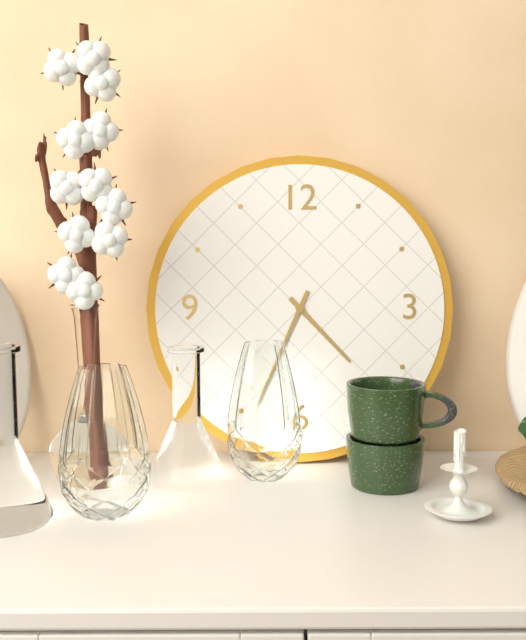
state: 4:34
